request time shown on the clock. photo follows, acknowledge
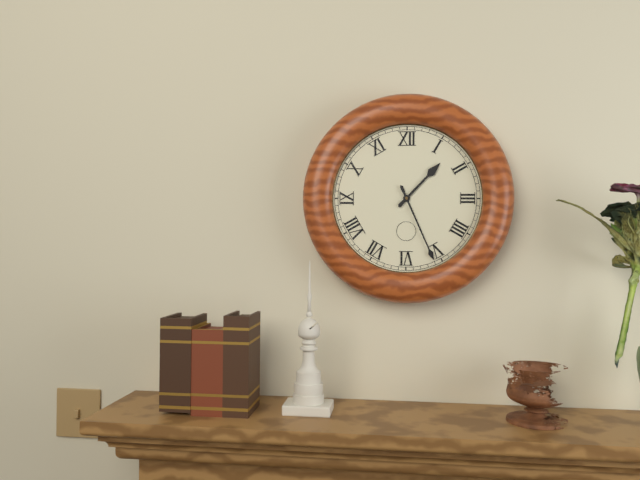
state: 1:26
